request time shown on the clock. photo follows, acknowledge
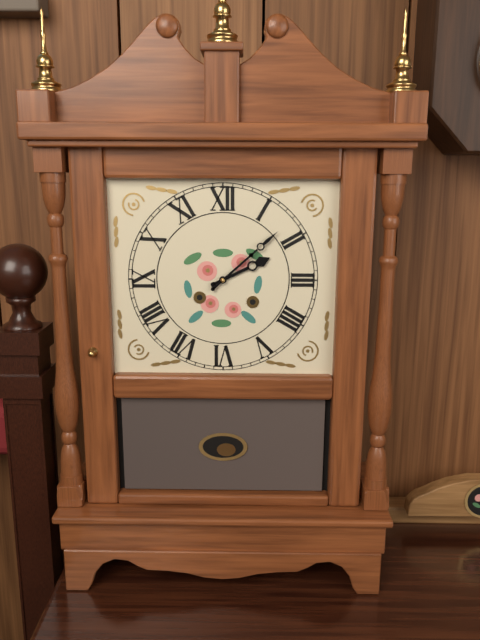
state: 2:08
